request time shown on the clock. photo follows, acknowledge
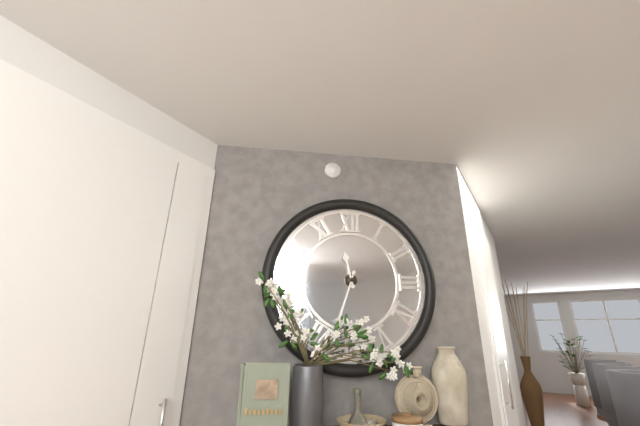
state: 11:33
